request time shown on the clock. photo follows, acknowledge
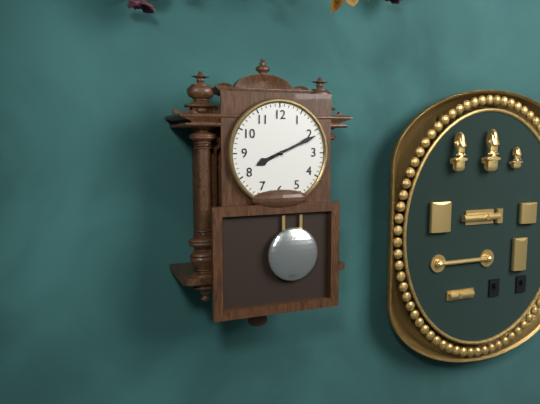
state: 8:11
